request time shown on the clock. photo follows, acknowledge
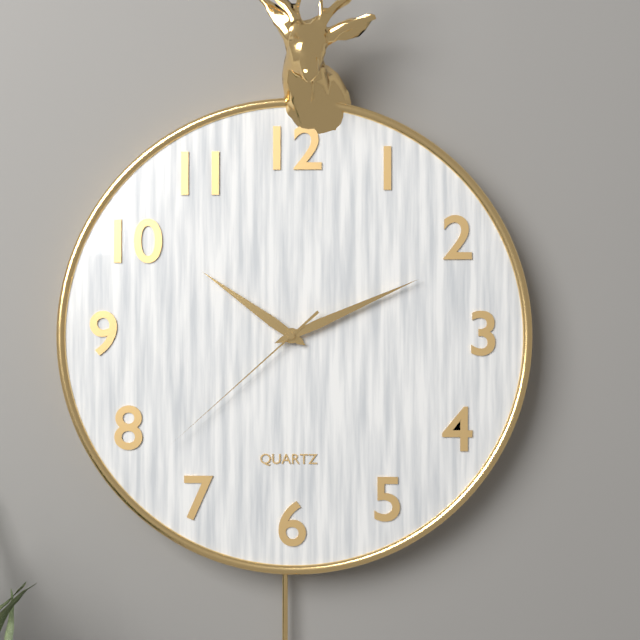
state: 10:11:38
